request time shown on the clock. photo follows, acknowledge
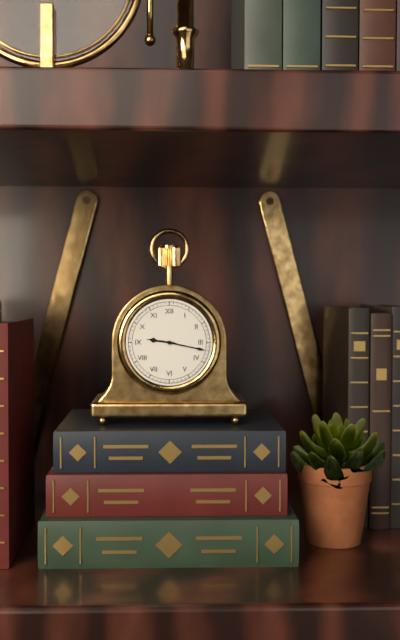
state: 9:17
